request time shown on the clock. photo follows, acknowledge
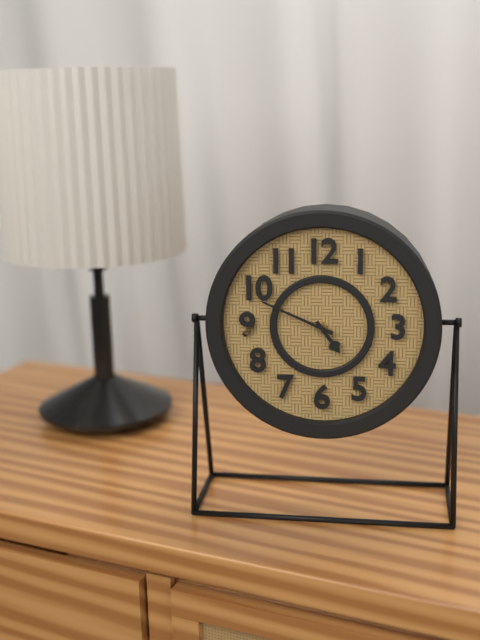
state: 4:49
